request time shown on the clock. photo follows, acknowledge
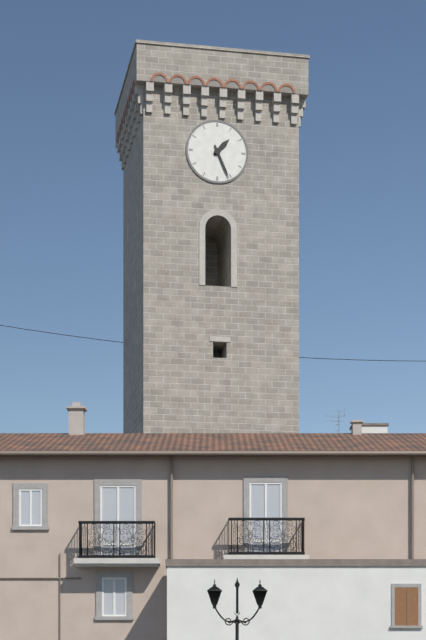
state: 1:26
